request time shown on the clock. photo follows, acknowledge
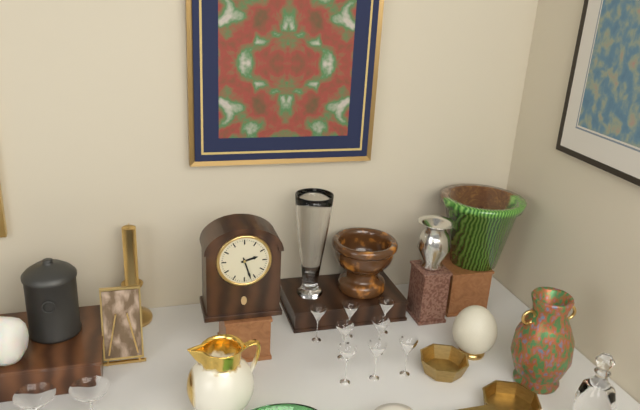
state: 2:27
